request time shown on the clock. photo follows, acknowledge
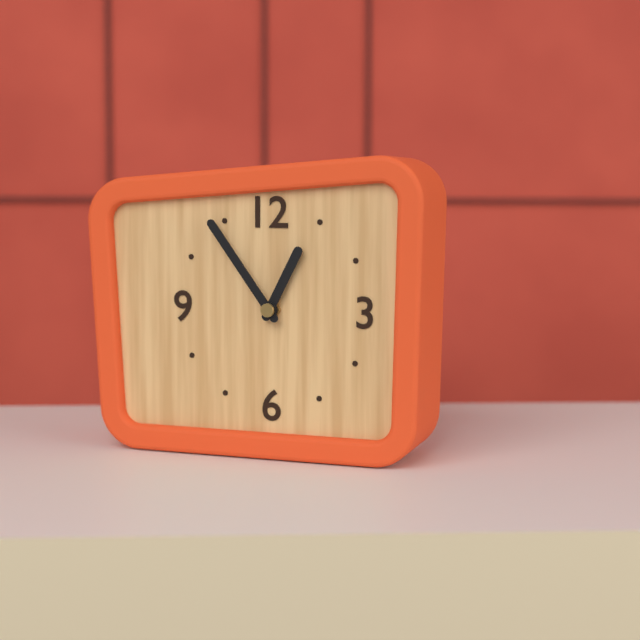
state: 12:54
